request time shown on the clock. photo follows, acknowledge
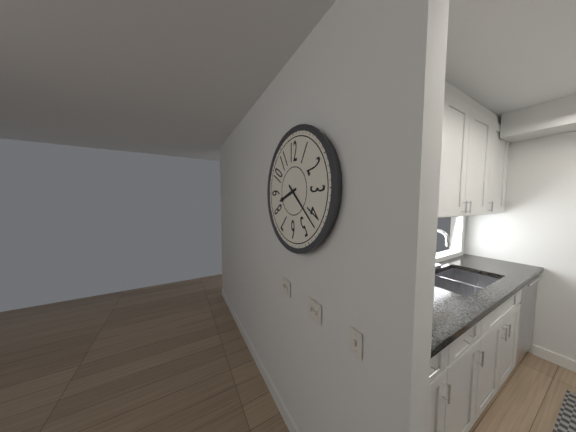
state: 8:22
